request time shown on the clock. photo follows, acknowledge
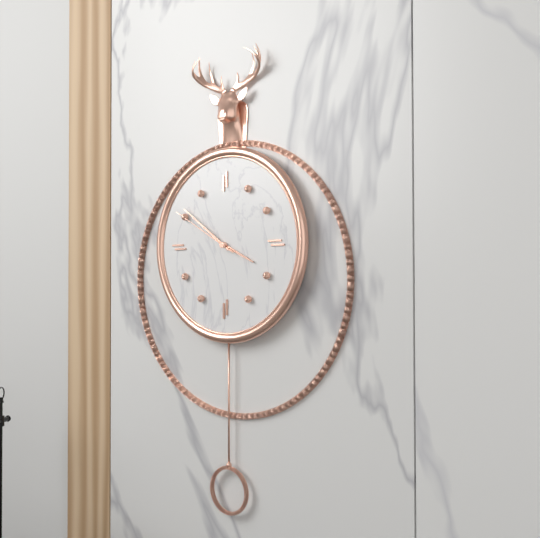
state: 3:51:50
